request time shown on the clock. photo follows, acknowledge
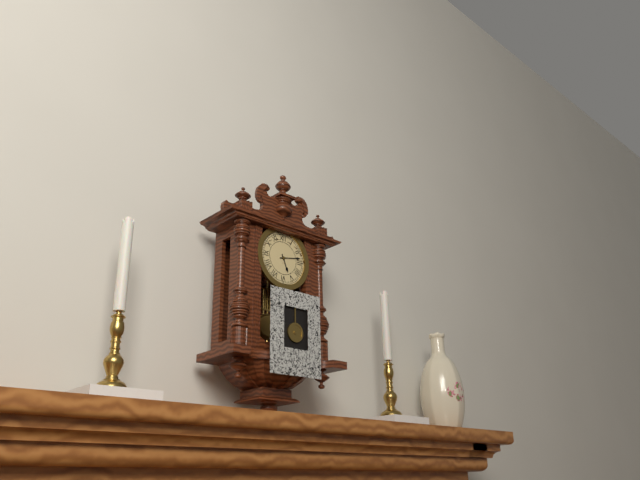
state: 5:13
